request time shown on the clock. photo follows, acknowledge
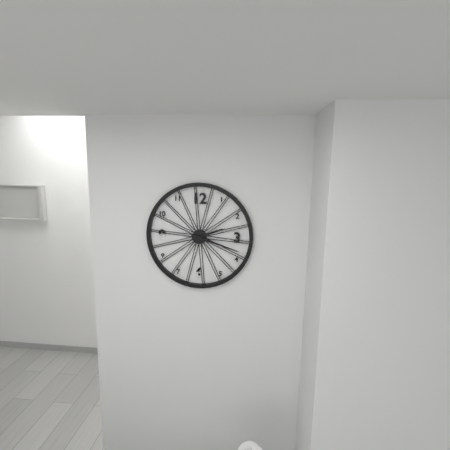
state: 2:18
